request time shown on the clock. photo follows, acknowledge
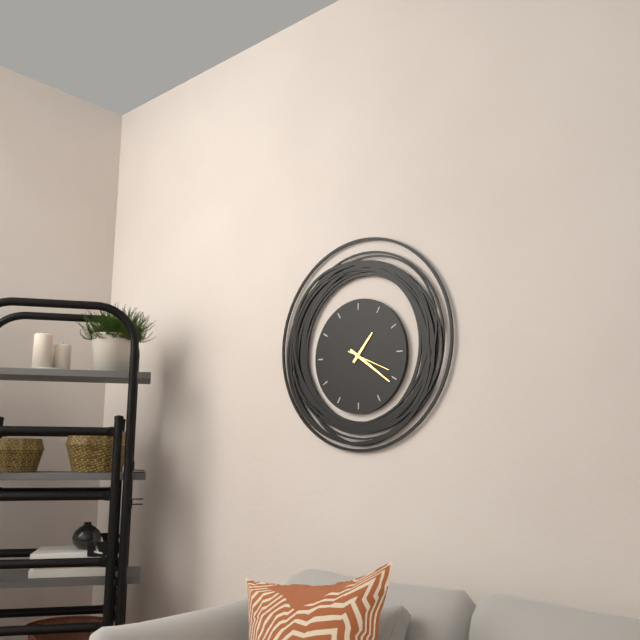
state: 1:21
